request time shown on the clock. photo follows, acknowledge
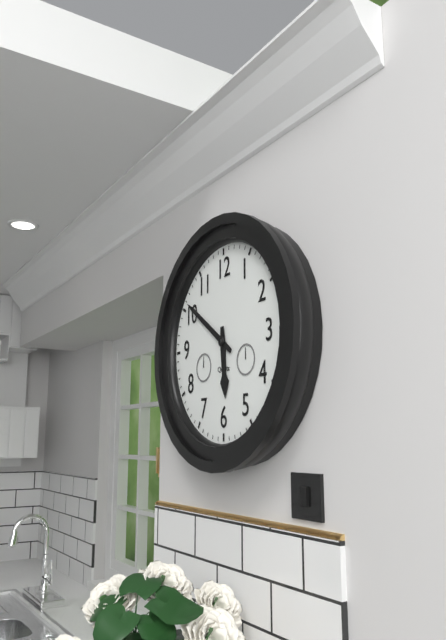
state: 5:51
